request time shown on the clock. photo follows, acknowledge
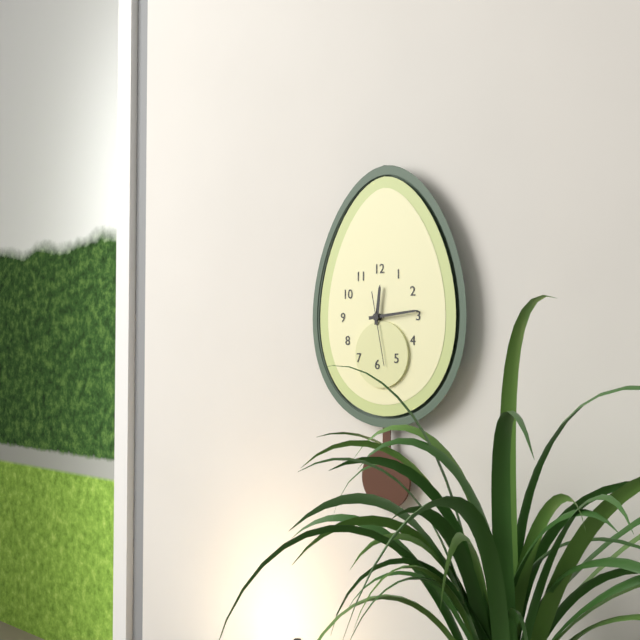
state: 12:14:28
